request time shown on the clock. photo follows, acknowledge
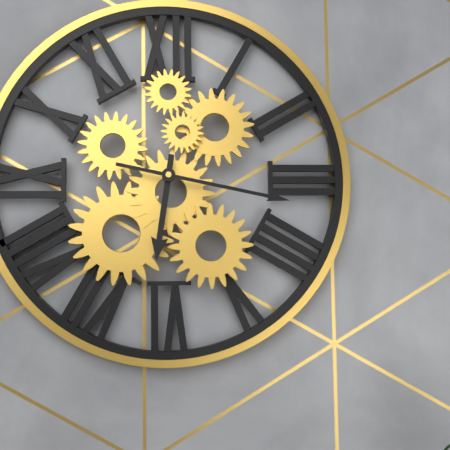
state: 6:17
